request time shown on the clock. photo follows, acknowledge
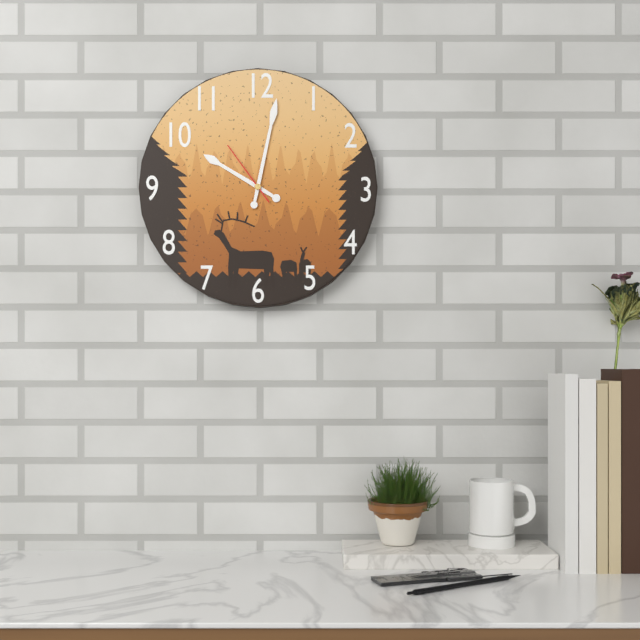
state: 10:02:54
